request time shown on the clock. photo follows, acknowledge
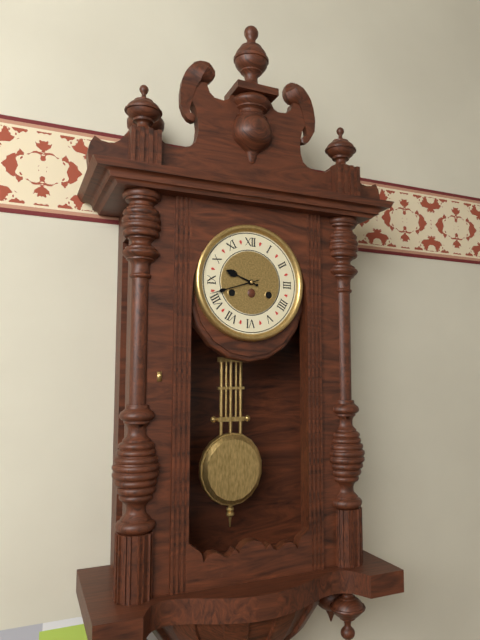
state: 9:42
